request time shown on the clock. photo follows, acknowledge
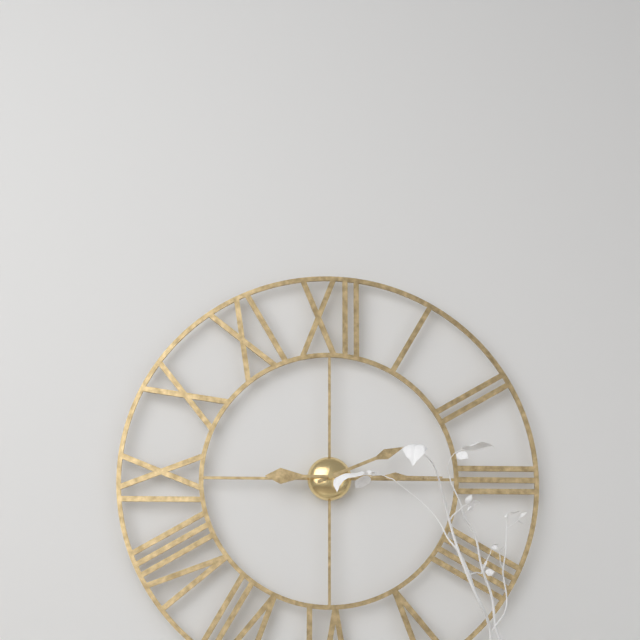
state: 2:15
